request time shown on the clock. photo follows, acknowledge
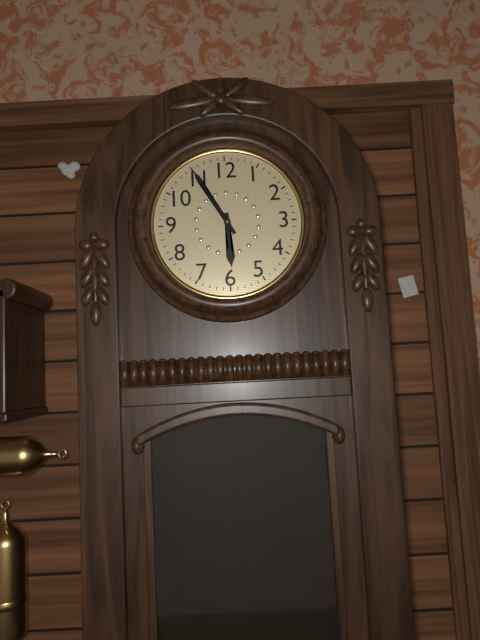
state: 5:55
